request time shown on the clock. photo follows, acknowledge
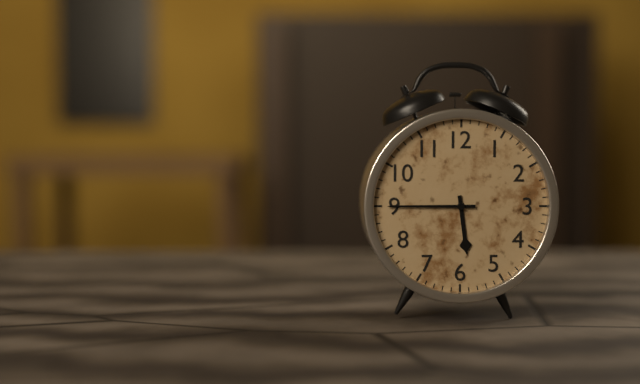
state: 5:45
